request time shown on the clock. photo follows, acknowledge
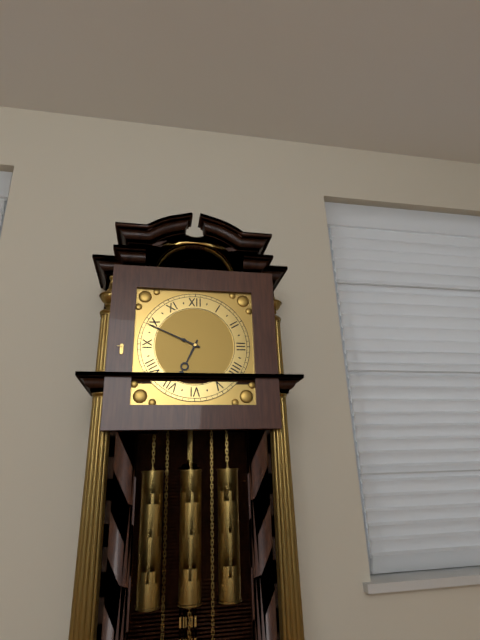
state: 6:49
